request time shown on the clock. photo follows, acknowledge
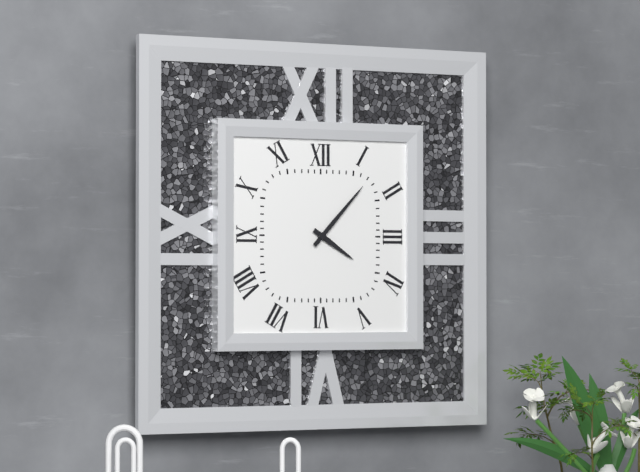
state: 4:07
